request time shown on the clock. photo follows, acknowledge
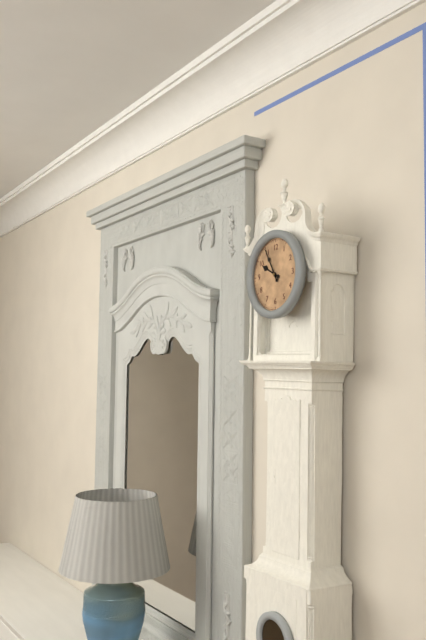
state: 9:55
